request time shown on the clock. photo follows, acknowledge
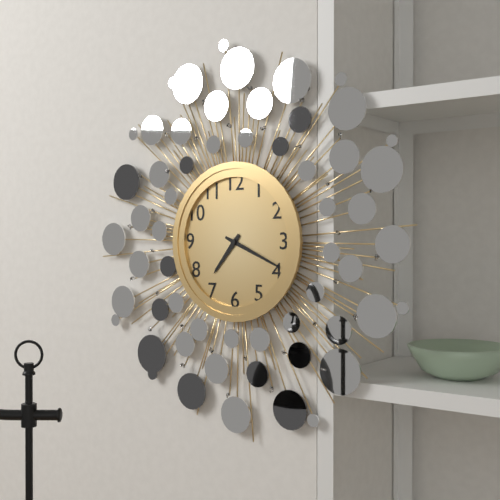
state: 7:19
